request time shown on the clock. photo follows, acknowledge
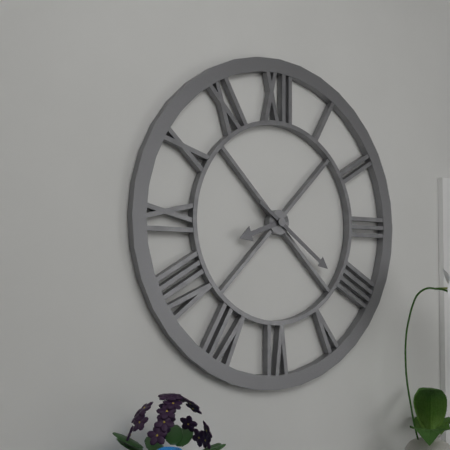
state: 8:21
